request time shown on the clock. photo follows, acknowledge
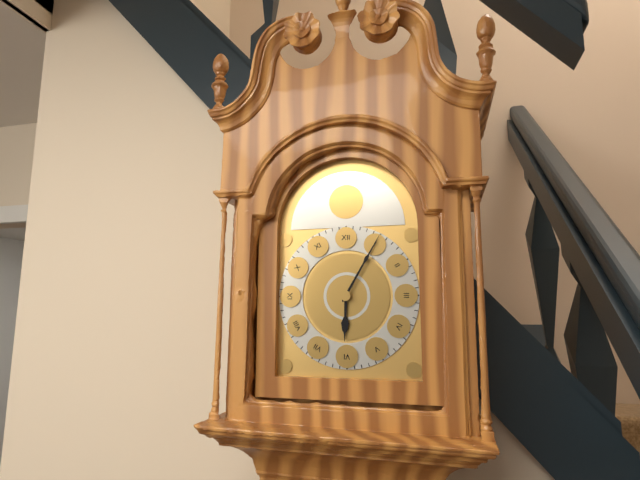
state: 6:05
